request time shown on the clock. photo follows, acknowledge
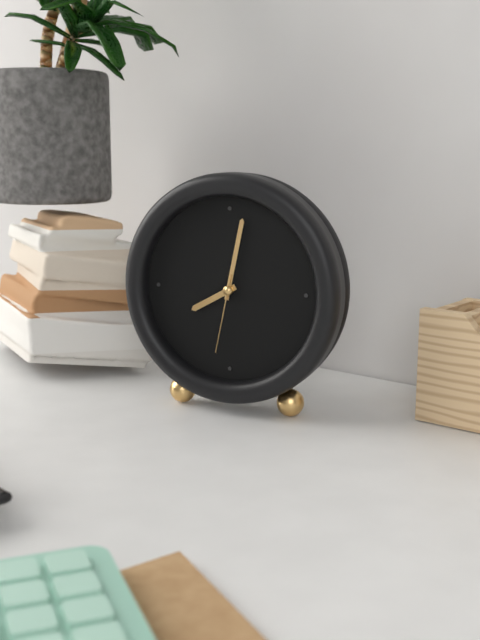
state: 8:02:32
